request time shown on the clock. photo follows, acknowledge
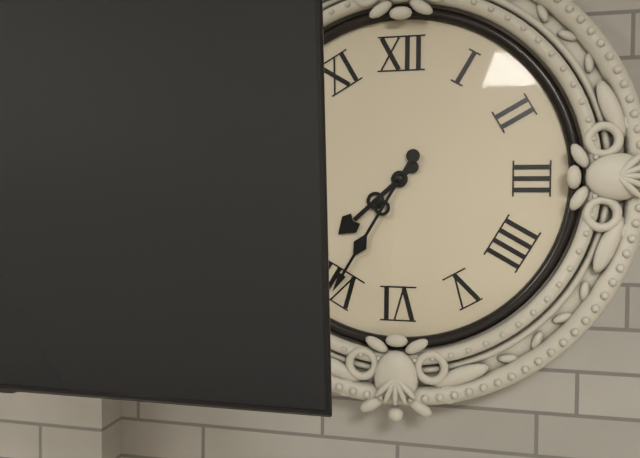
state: 7:35
